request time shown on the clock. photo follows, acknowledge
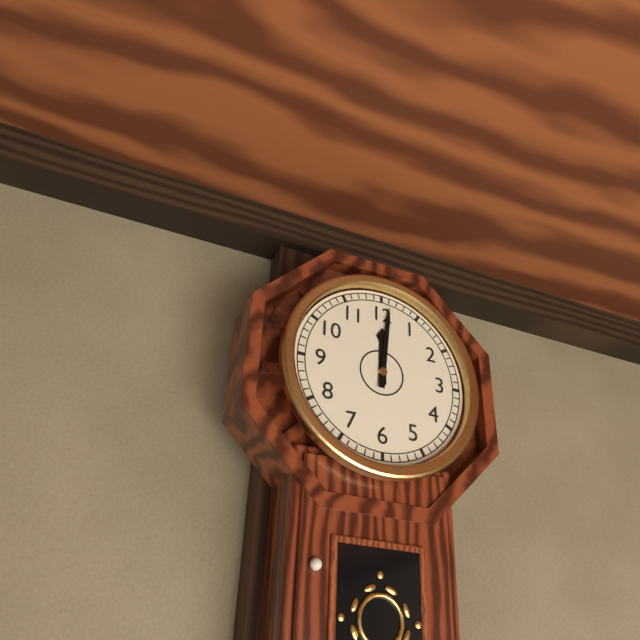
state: 12:01
